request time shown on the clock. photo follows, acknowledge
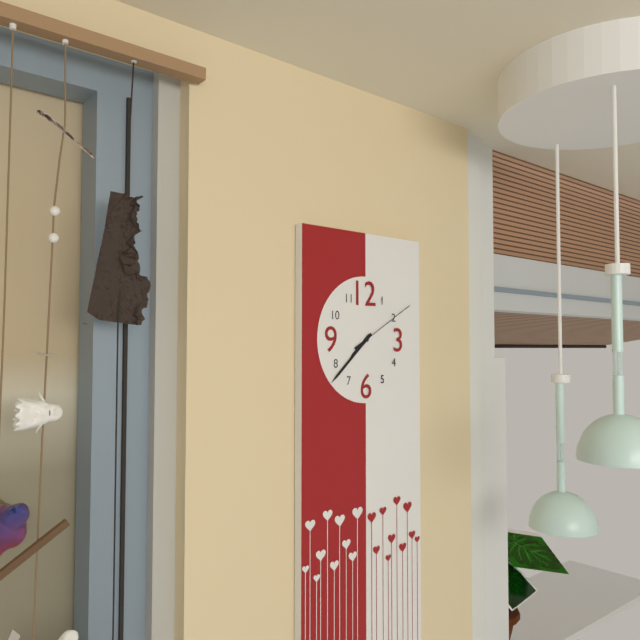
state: 7:38:10
